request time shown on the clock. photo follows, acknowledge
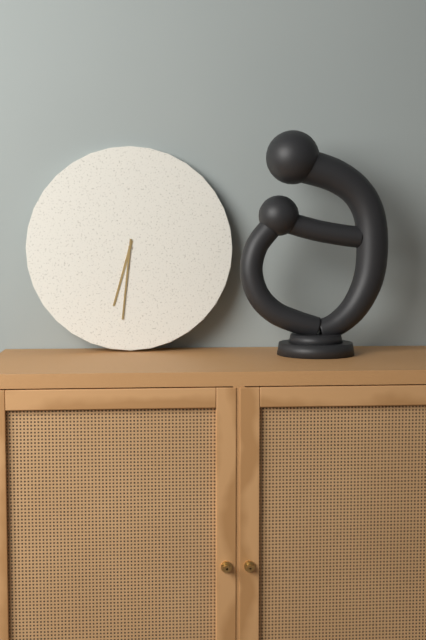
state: 6:31
